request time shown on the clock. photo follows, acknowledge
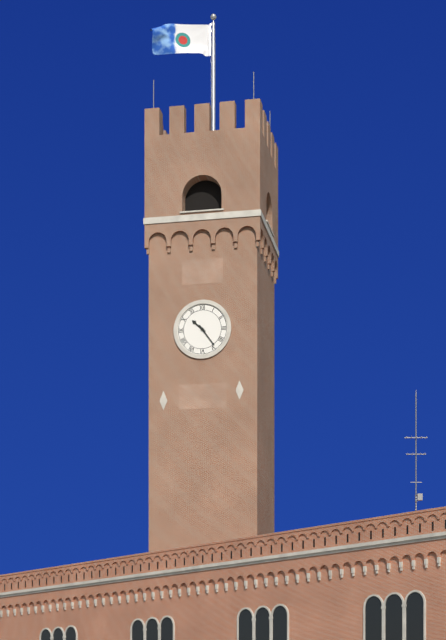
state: 10:24
